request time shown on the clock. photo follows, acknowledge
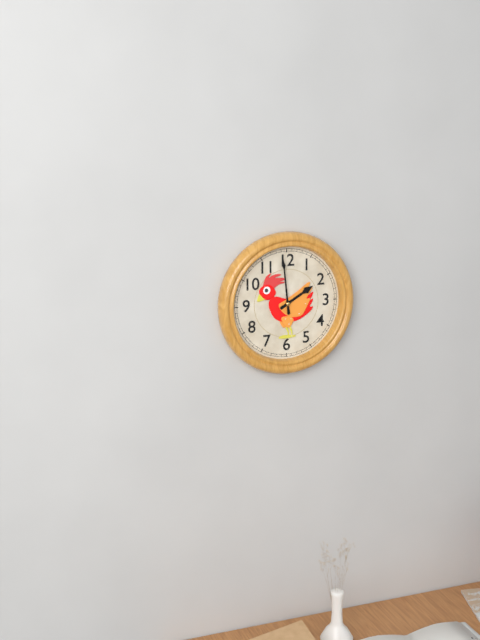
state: 1:59
